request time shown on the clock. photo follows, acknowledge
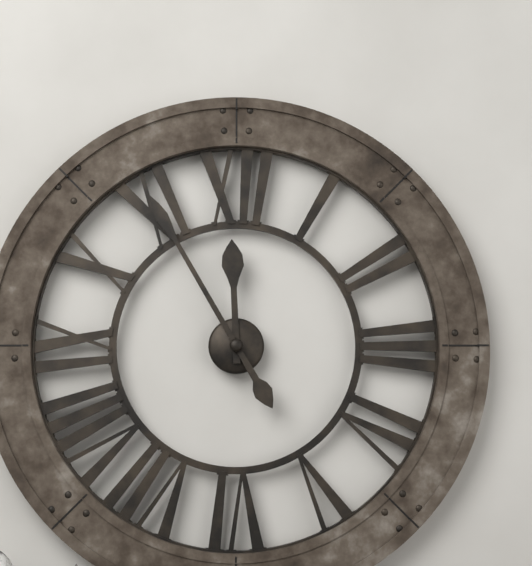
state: 11:55
